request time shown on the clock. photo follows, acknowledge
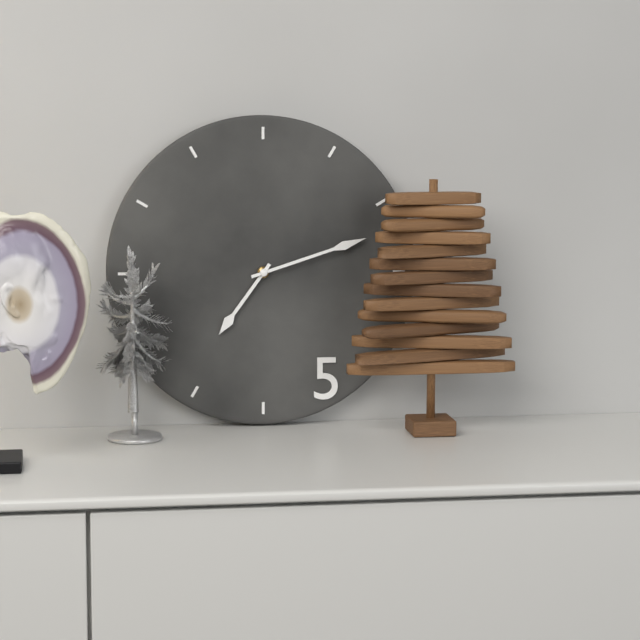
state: 7:12
